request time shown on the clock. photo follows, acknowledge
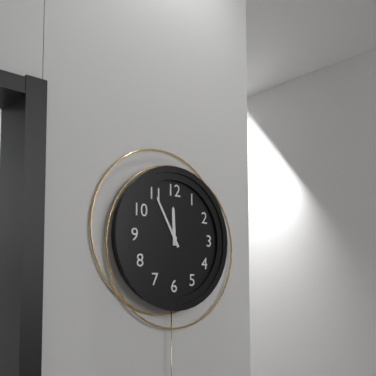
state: 11:55
